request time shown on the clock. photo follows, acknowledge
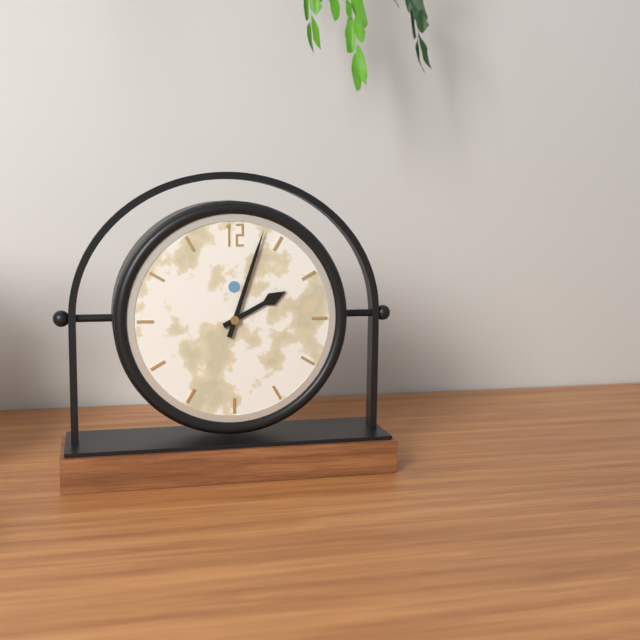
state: 2:03
